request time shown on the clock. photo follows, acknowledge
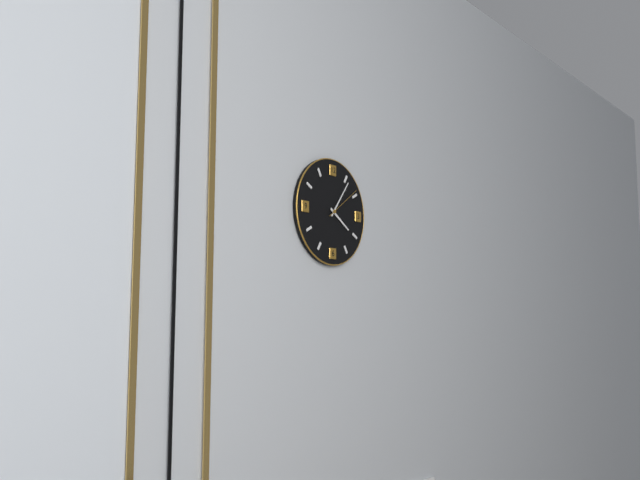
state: 4:06
